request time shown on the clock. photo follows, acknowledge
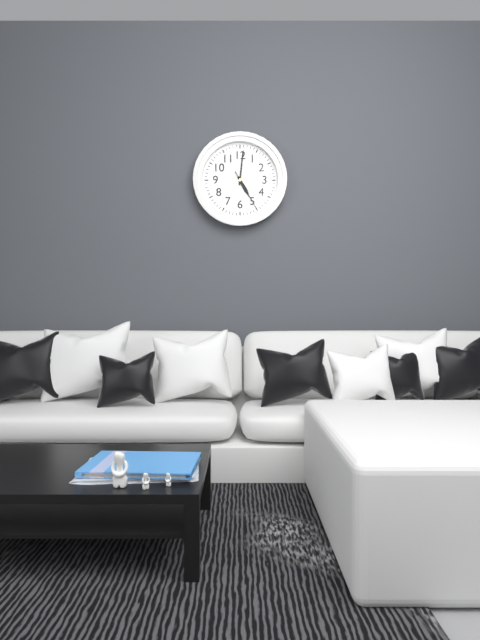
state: 5:01
